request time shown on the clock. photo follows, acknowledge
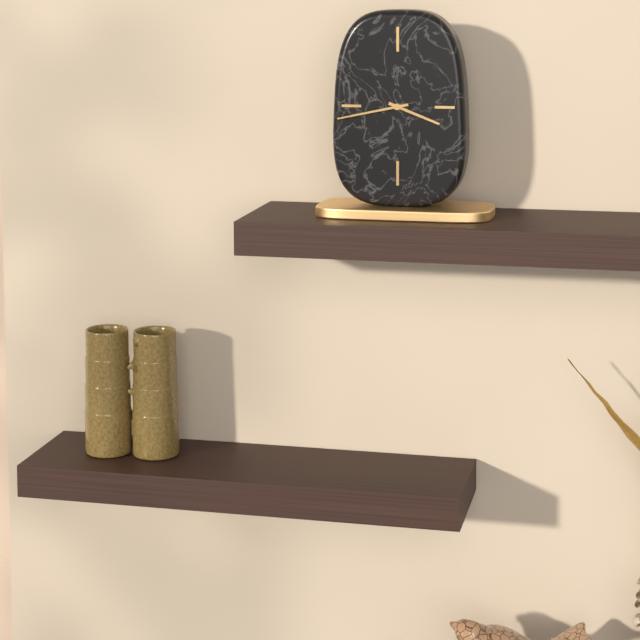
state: 3:43
